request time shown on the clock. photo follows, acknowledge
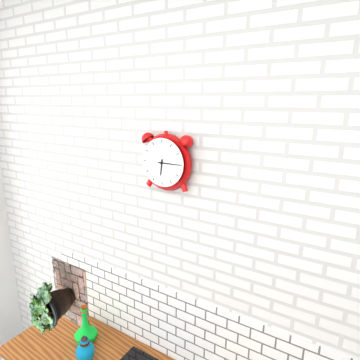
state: 6:15
